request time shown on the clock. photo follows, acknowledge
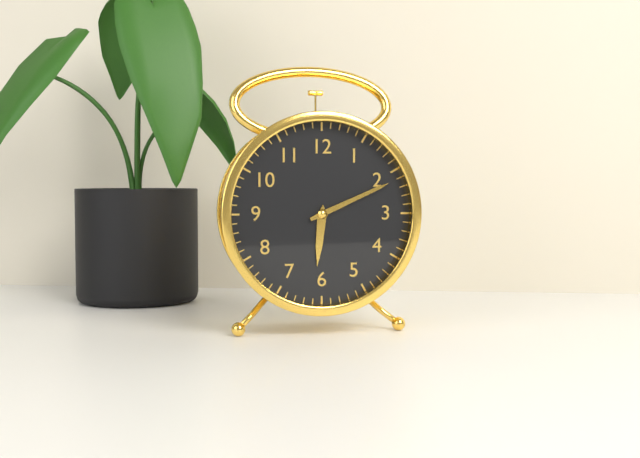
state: 6:11
